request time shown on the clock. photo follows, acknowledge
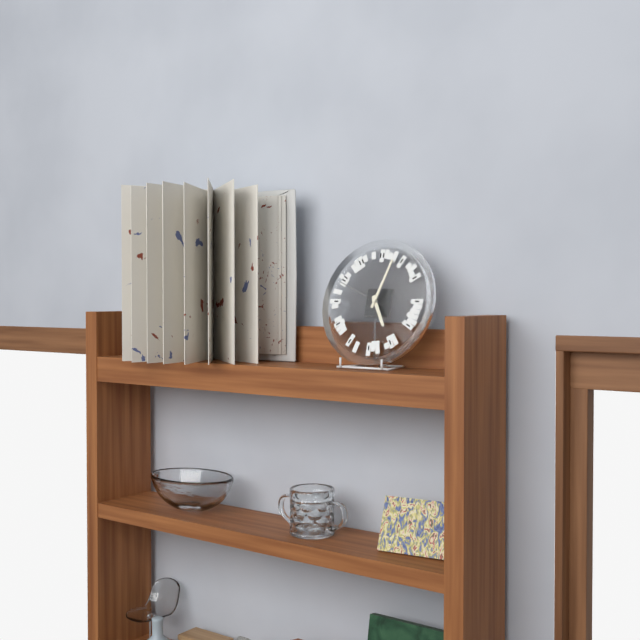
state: 5:03
